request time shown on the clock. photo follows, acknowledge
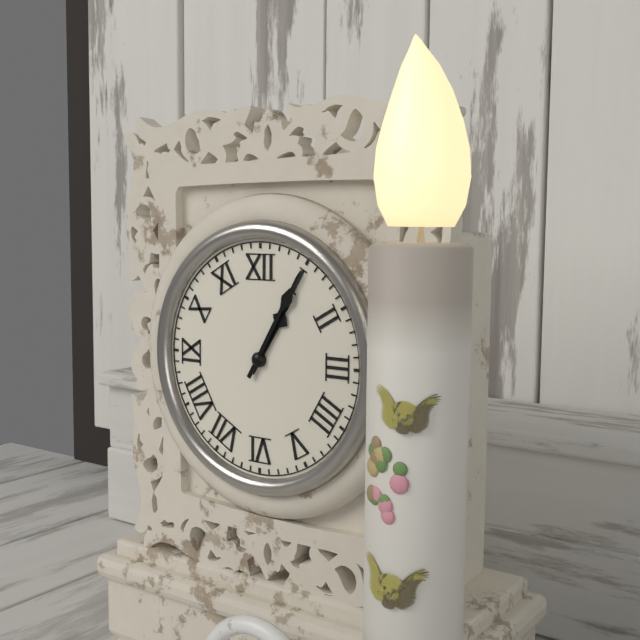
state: 1:05
